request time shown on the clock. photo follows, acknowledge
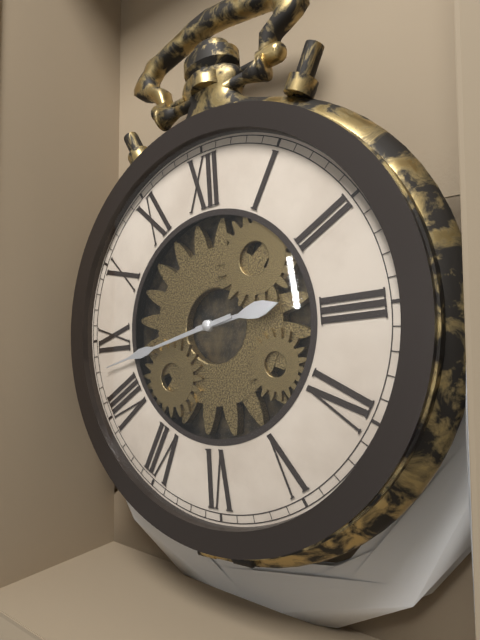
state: 2:43
